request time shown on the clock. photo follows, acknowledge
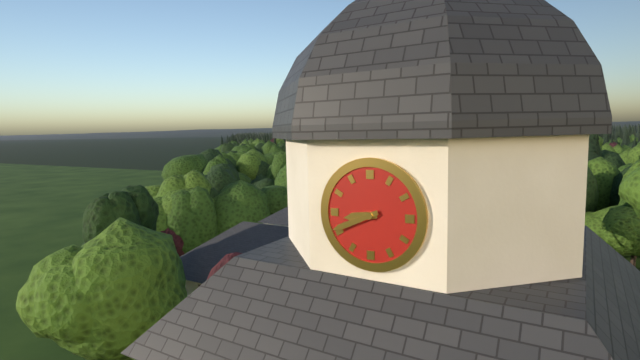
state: 8:41
